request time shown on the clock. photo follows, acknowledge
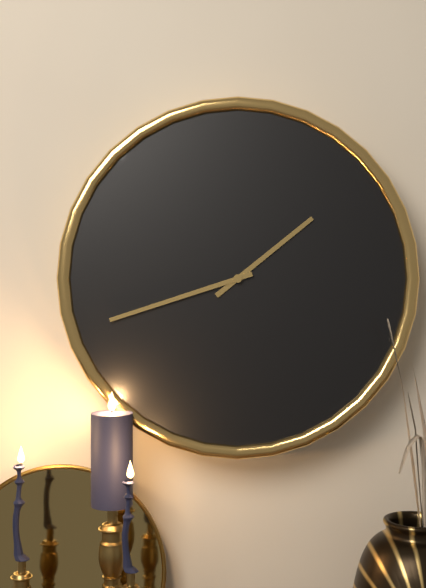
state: 1:42
